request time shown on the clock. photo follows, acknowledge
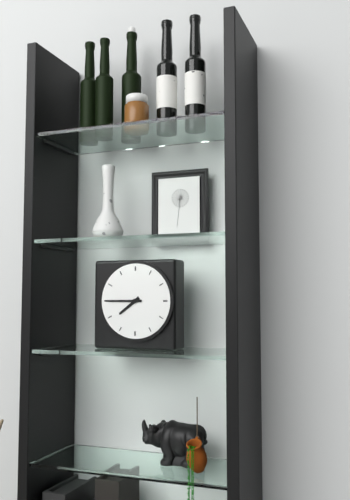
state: 7:45
